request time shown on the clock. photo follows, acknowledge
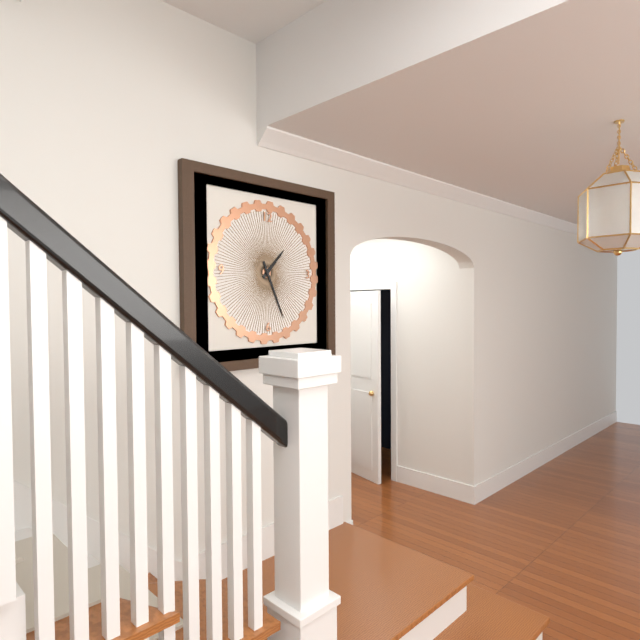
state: 1:26
